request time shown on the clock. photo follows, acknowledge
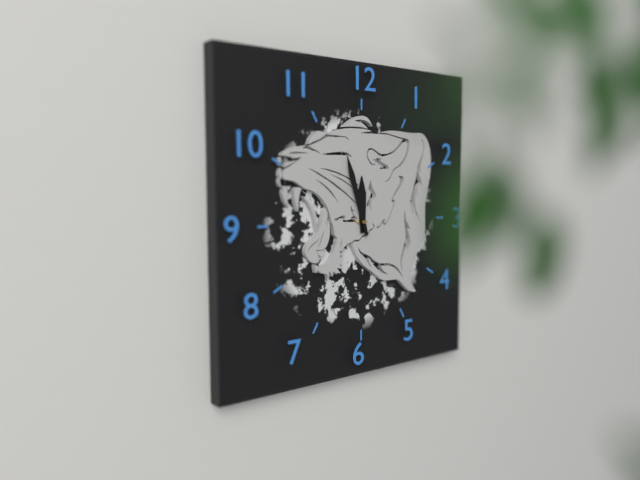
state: 11:57
